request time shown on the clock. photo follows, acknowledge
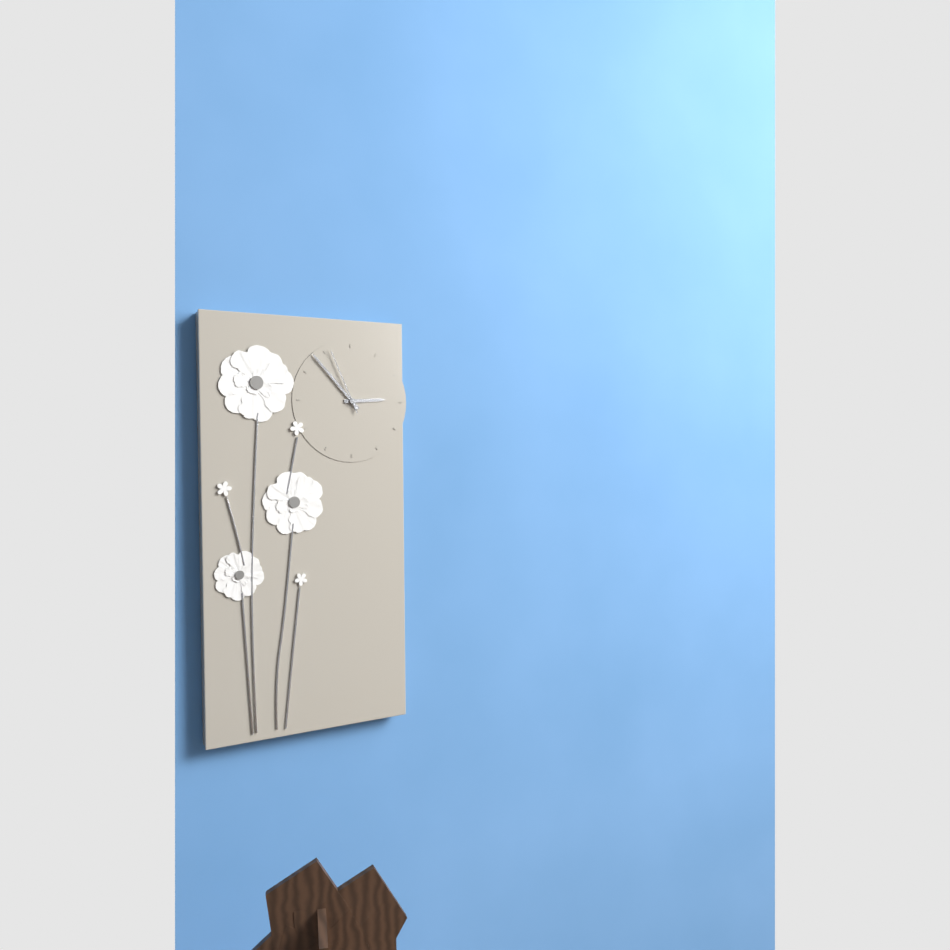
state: 2:53:56
